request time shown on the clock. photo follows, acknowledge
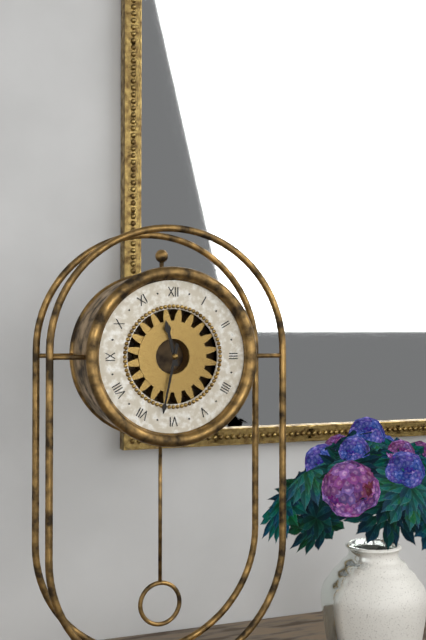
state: 11:32
